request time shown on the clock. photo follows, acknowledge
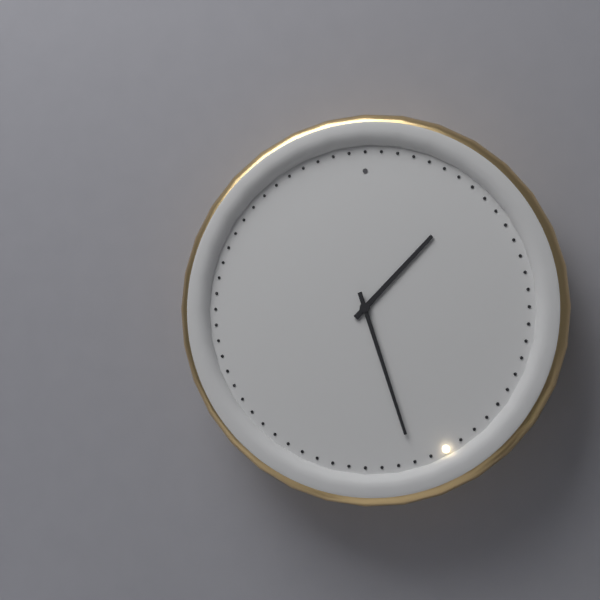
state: 1:27
